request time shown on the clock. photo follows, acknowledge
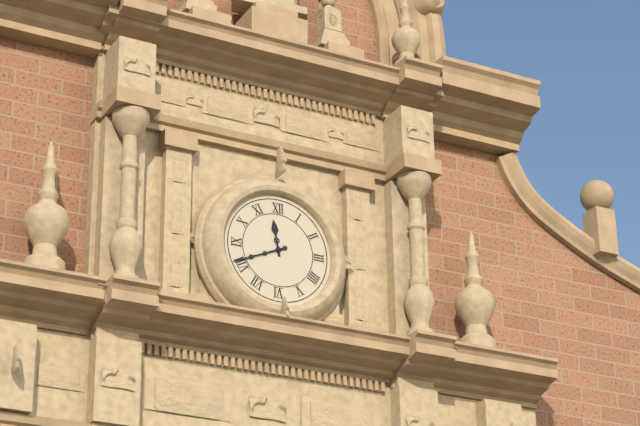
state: 11:41
